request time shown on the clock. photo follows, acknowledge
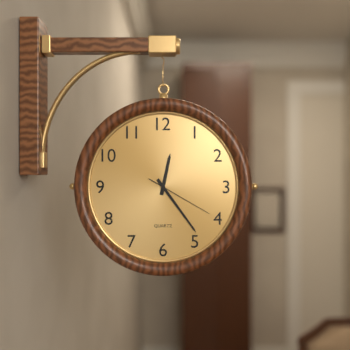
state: 12:24:20
